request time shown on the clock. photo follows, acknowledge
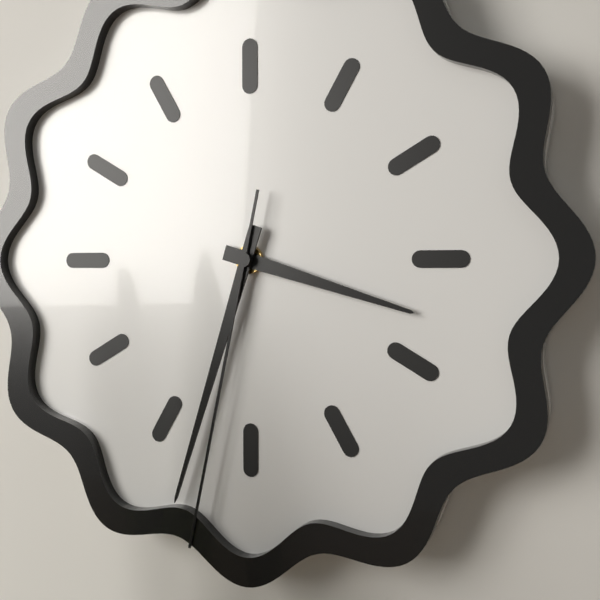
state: 3:33:32
